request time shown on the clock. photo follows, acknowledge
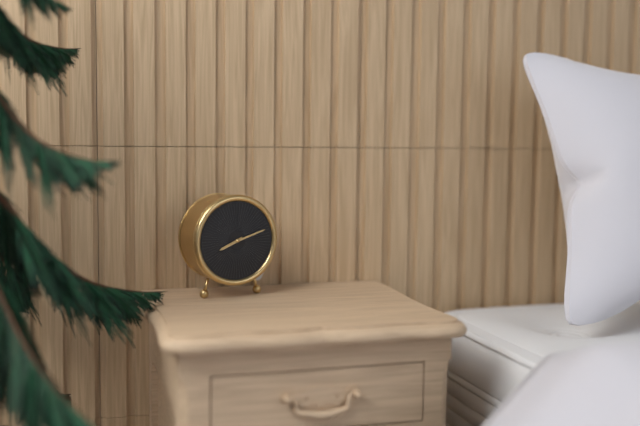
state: 8:12
